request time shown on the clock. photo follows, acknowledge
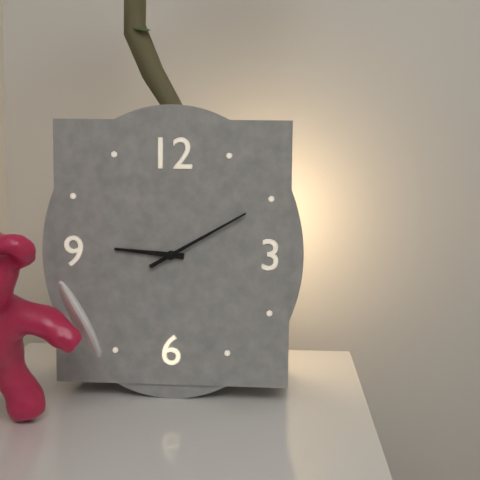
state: 9:10
